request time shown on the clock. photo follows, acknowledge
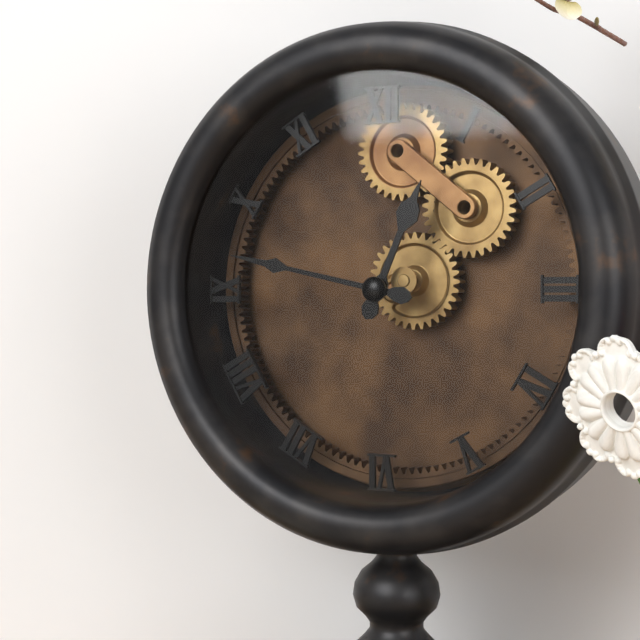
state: 12:47
